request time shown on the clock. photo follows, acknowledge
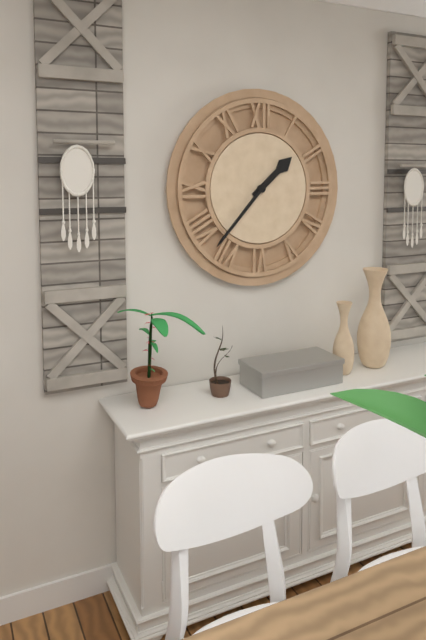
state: 1:37
